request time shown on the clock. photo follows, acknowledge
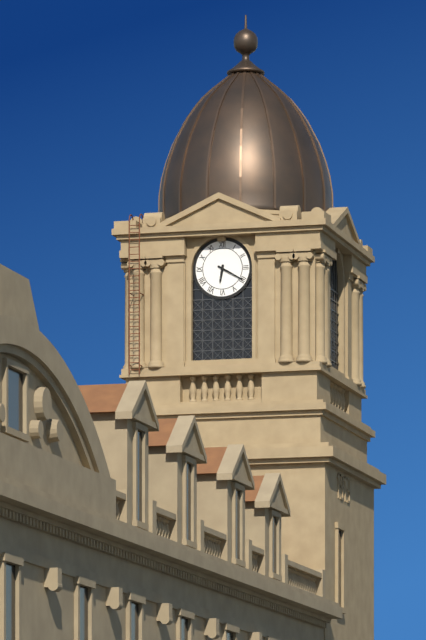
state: 6:20
